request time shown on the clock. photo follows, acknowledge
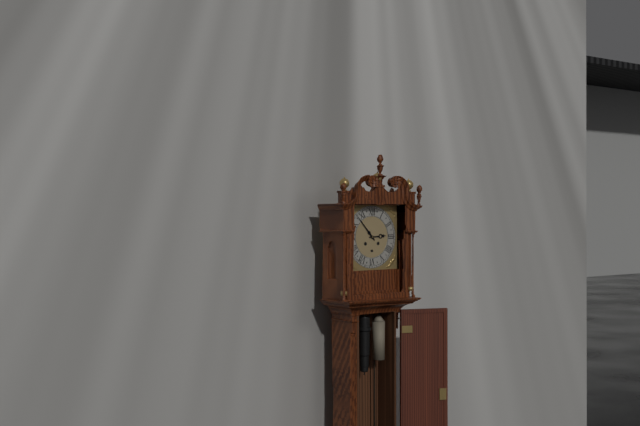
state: 2:53
